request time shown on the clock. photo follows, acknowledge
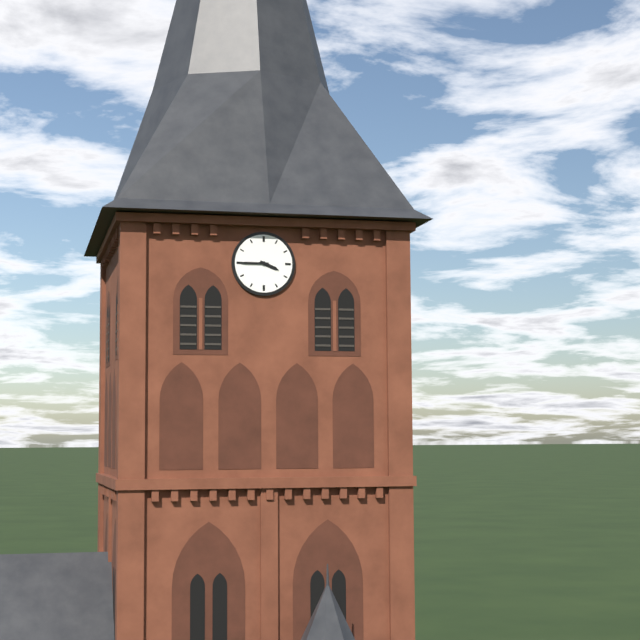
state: 3:45
